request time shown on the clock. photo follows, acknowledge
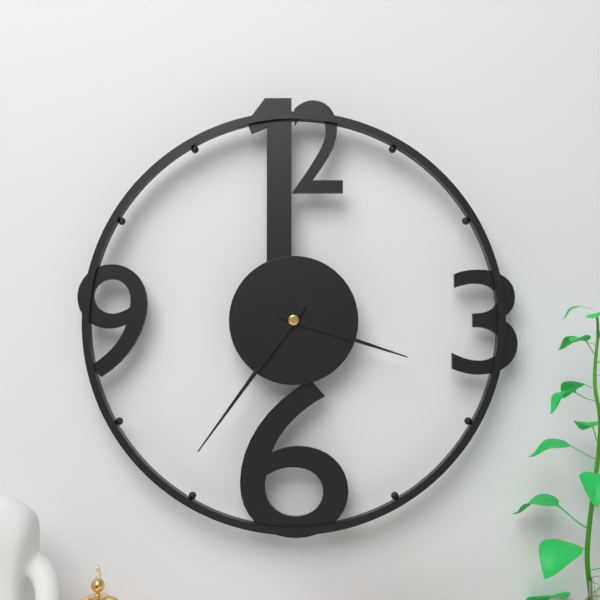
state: 3:36
